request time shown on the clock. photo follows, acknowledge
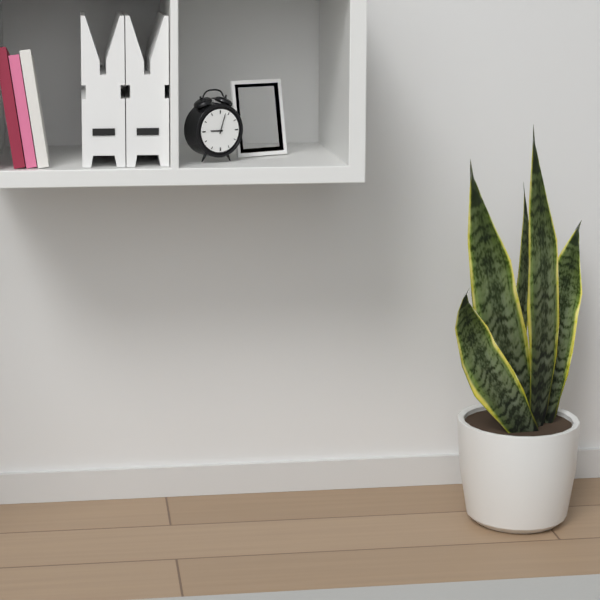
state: 9:03
